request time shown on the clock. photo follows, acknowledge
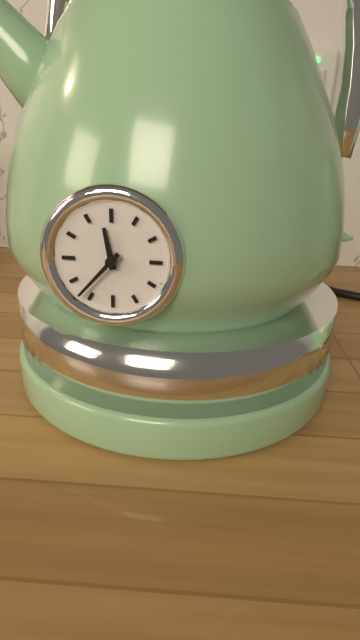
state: 11:37
